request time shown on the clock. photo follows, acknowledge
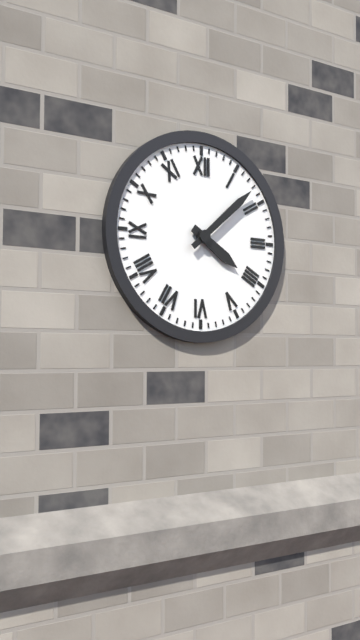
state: 4:08
